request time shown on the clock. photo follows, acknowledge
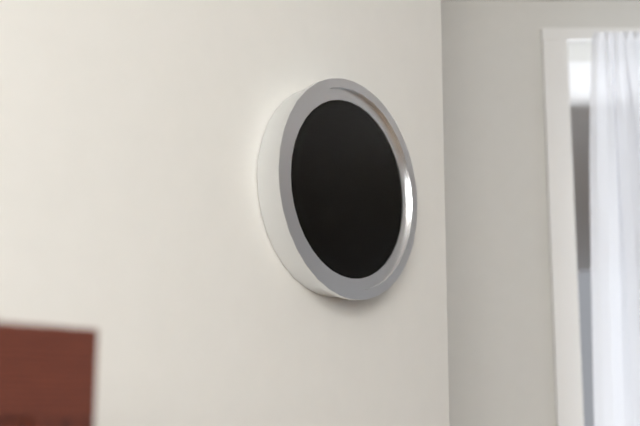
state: 2:46:03
